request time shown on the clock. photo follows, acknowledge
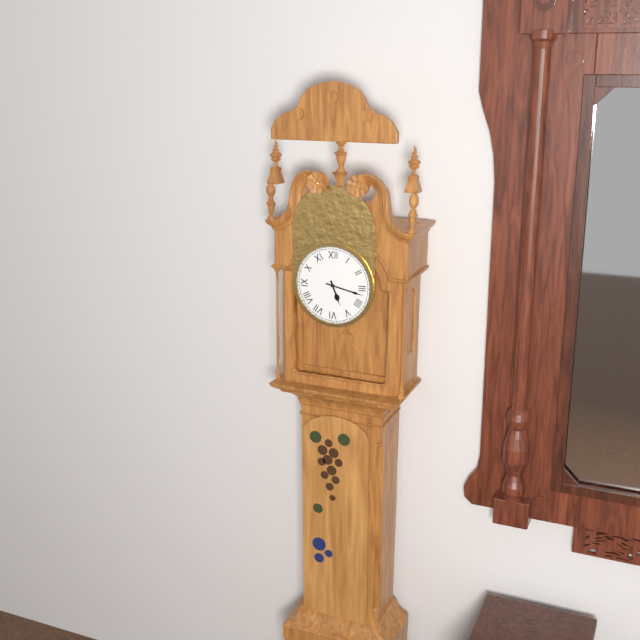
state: 5:17
